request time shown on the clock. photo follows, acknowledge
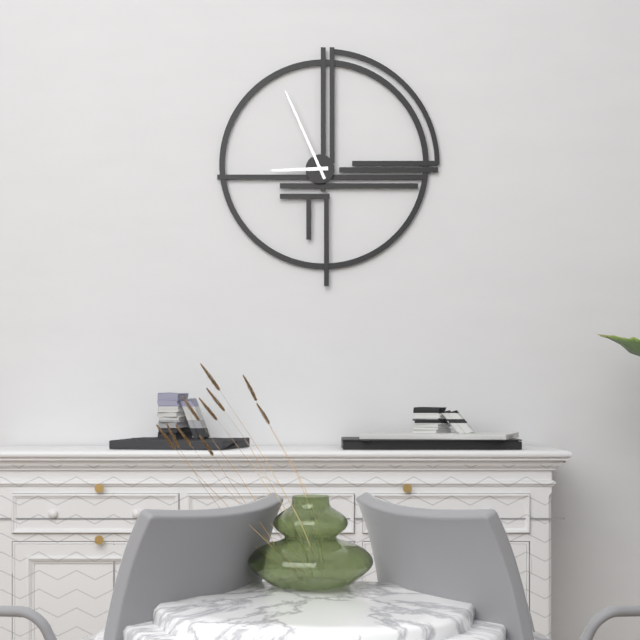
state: 8:56
